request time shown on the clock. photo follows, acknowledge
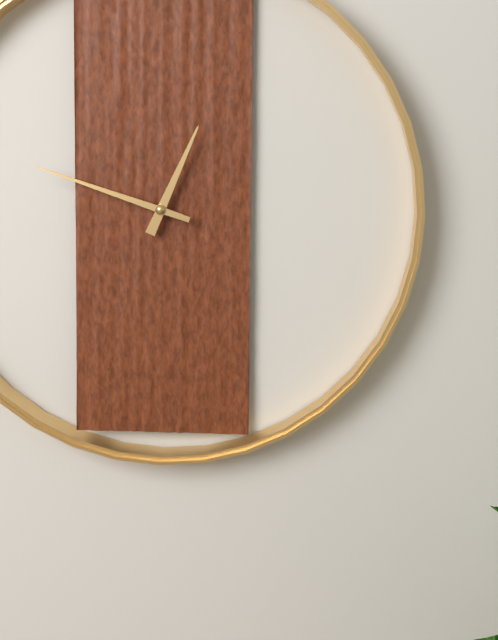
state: 12:48
